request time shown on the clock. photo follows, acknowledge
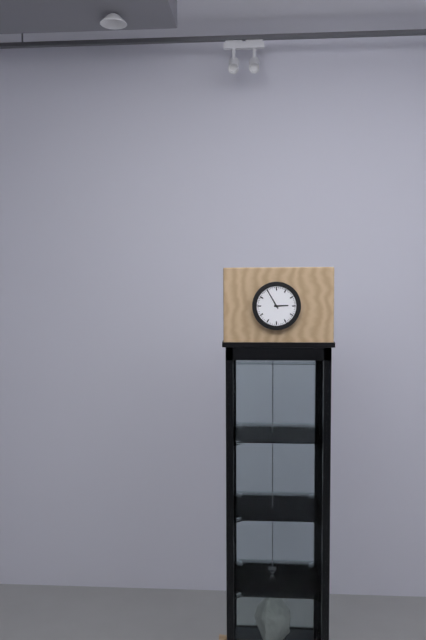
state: 2:55
